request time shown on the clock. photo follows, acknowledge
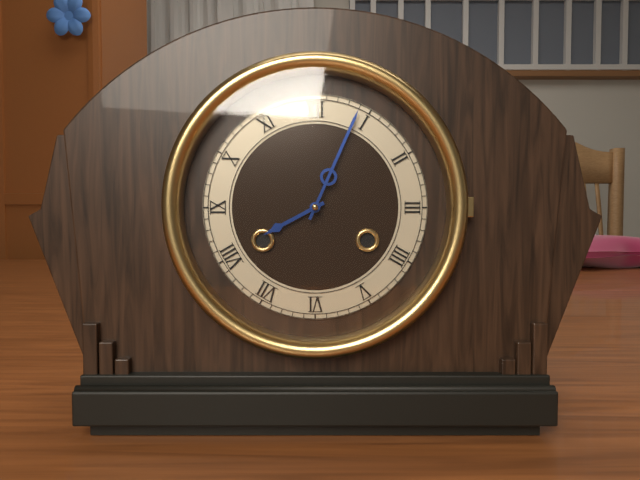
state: 8:04
